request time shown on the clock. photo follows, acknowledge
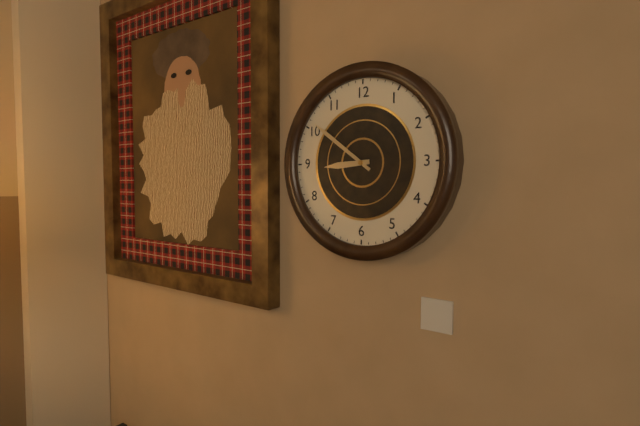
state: 8:51
